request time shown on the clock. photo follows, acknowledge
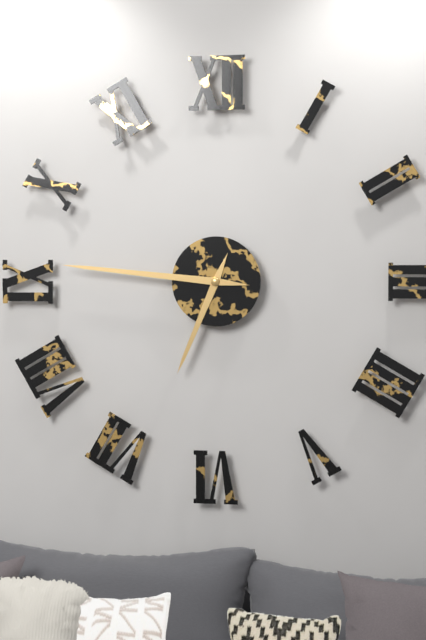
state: 6:46
